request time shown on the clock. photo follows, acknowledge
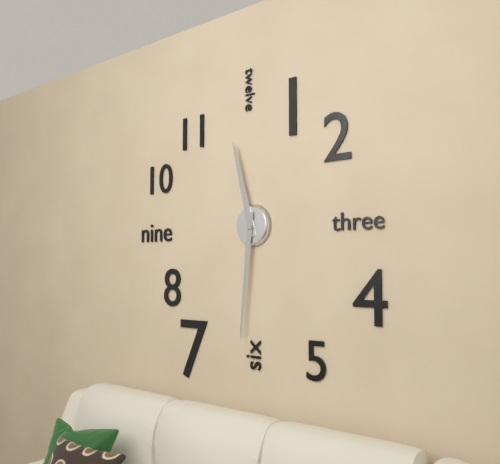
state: 11:31
